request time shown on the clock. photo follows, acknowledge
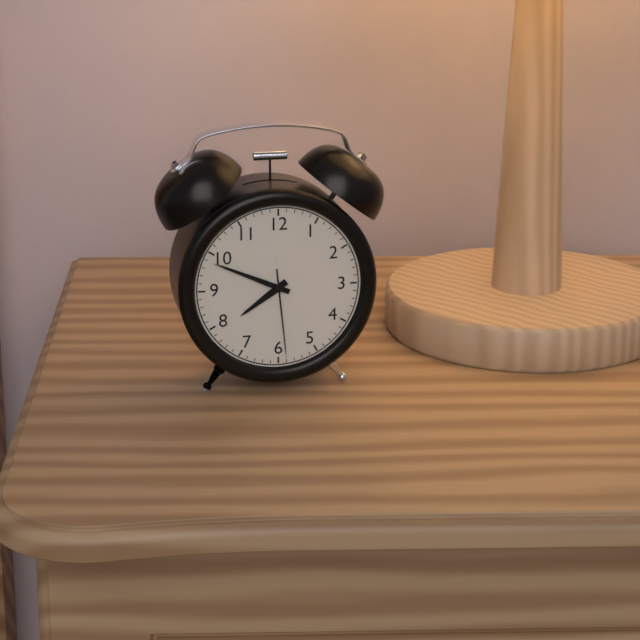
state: 7:49:29
